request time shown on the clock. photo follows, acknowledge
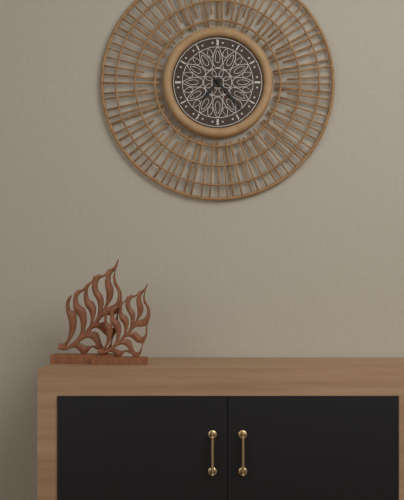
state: 7:23
